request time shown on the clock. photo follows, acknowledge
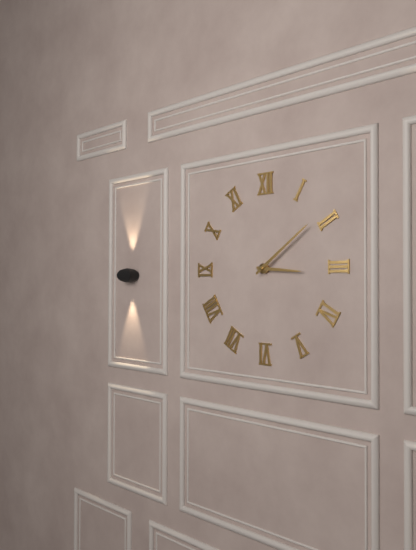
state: 3:09
